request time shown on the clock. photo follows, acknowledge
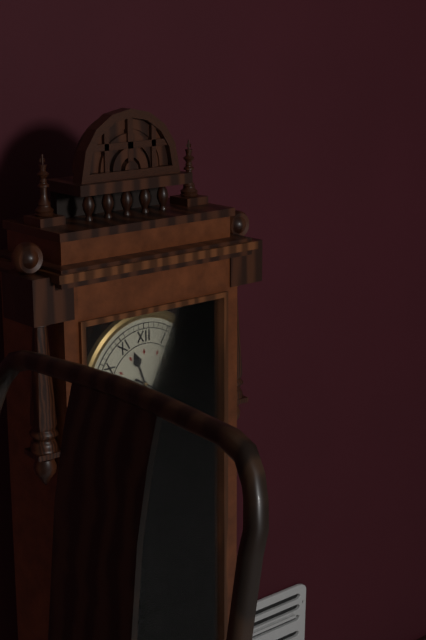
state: 11:20
